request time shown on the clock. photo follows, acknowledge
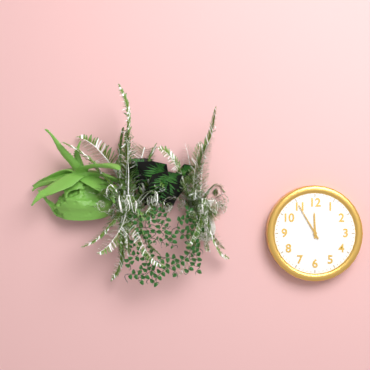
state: 11:55
